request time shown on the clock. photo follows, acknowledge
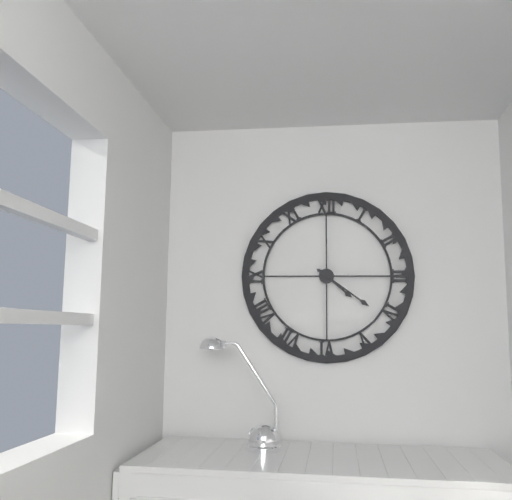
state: 4:21
